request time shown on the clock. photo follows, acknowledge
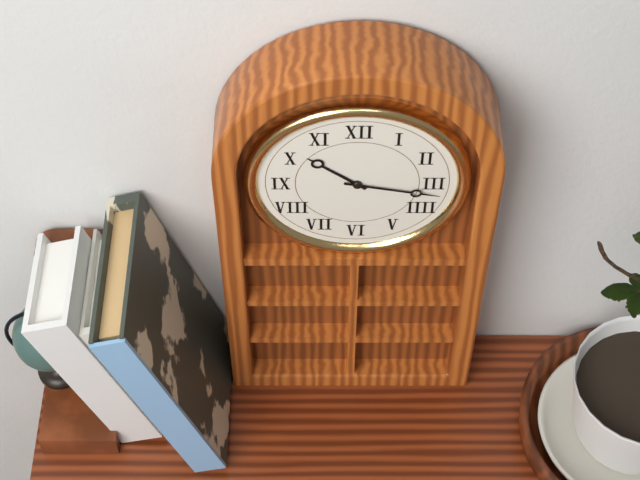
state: 10:17
